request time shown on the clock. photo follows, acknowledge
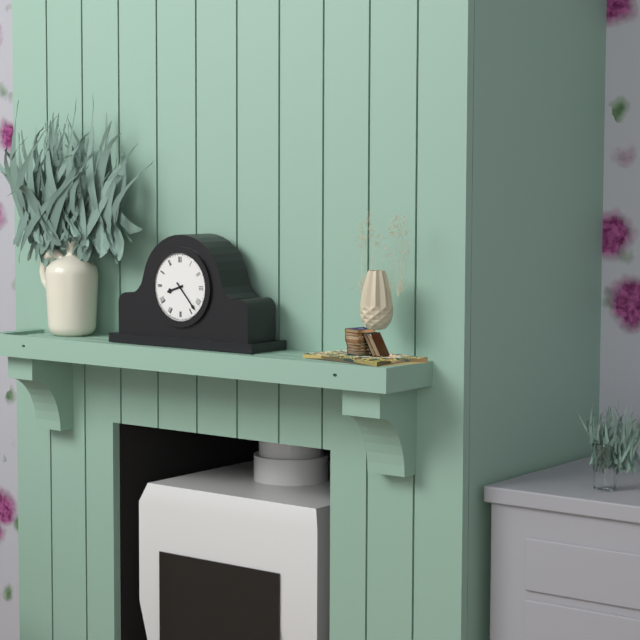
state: 8:23
